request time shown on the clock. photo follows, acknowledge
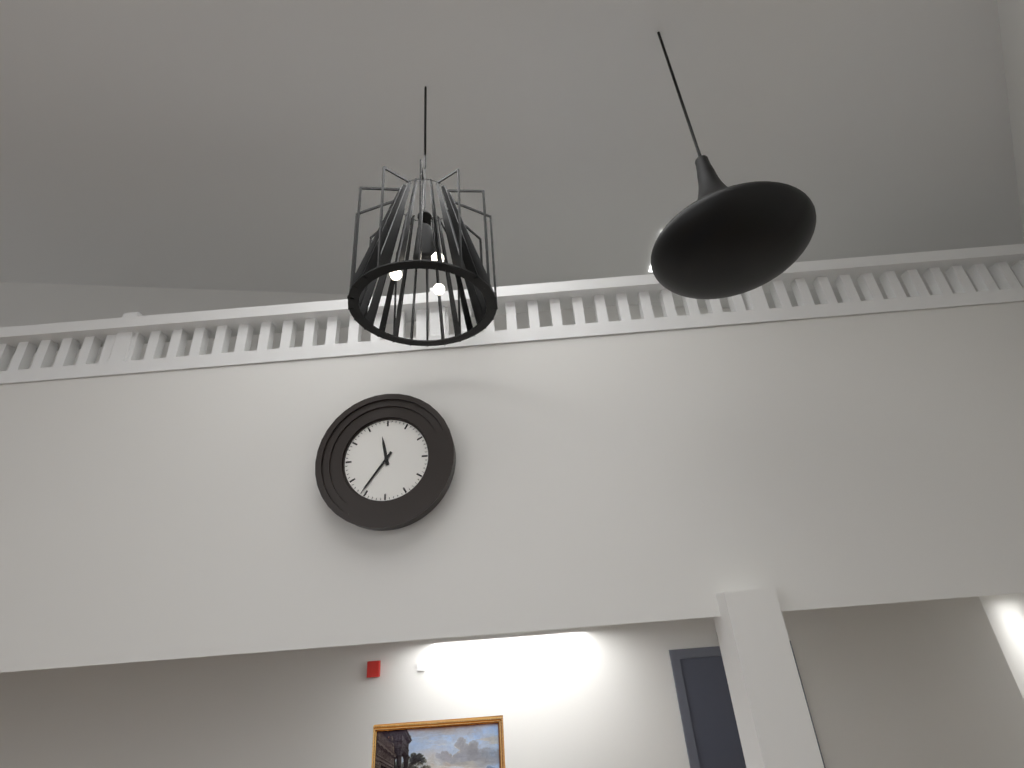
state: 11:36
